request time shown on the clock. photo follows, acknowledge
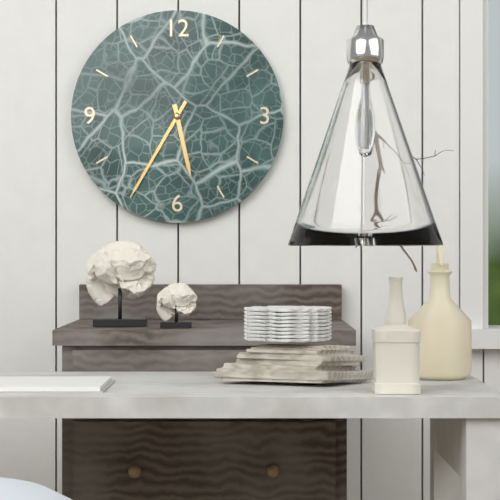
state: 5:35
